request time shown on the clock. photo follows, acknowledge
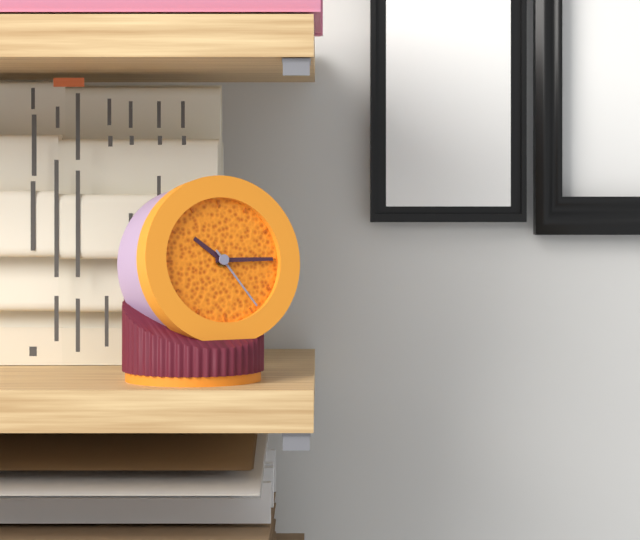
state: 10:15:24
